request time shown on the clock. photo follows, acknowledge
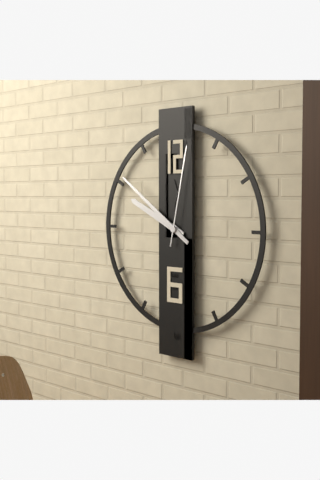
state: 9:51:02
